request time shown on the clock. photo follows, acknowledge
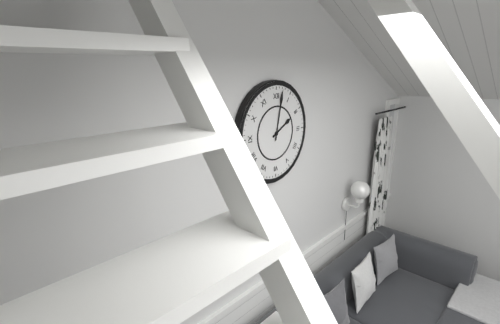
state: 2:02
